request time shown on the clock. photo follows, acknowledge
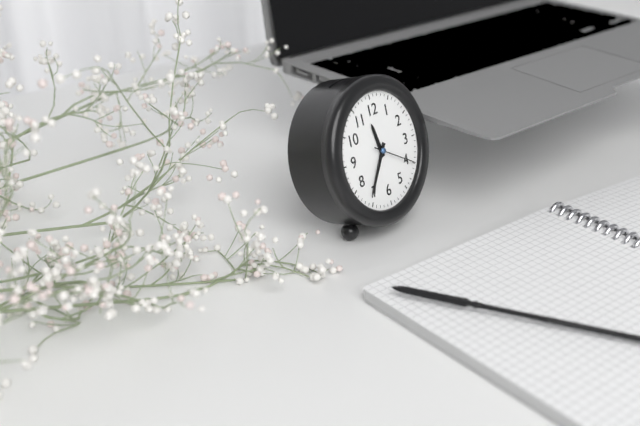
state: 11:36
